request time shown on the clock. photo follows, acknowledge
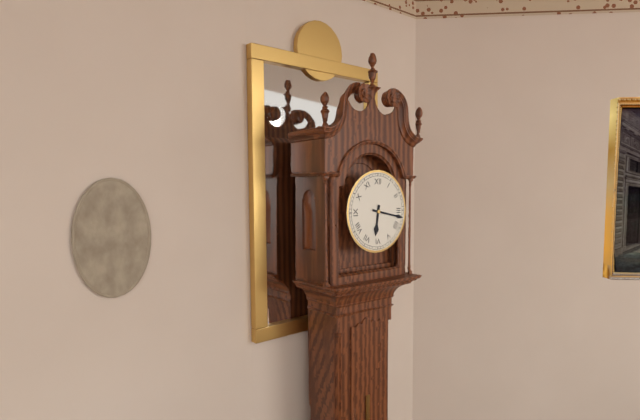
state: 6:17
